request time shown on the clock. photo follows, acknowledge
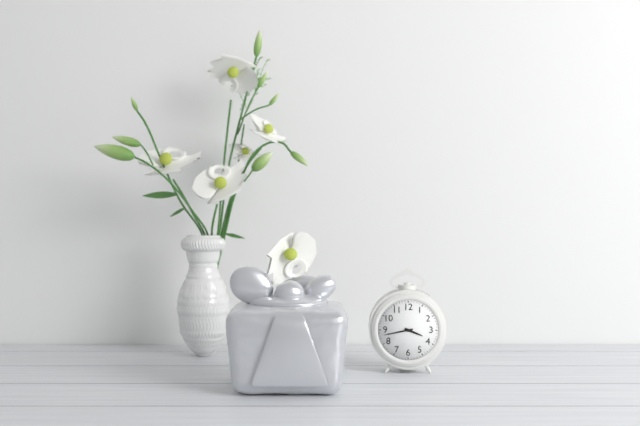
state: 3:43
